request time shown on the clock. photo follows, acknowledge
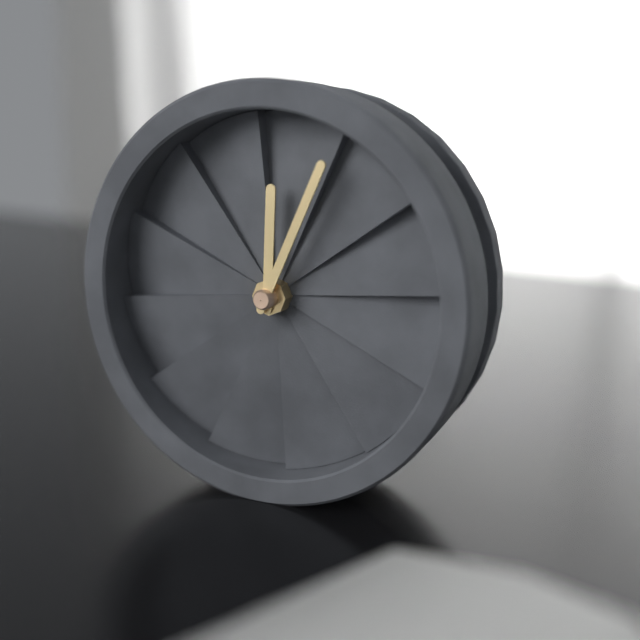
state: 12:04
